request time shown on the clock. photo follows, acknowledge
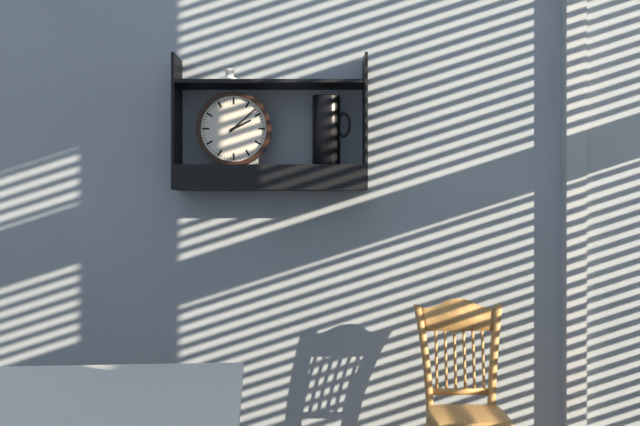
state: 2:08
